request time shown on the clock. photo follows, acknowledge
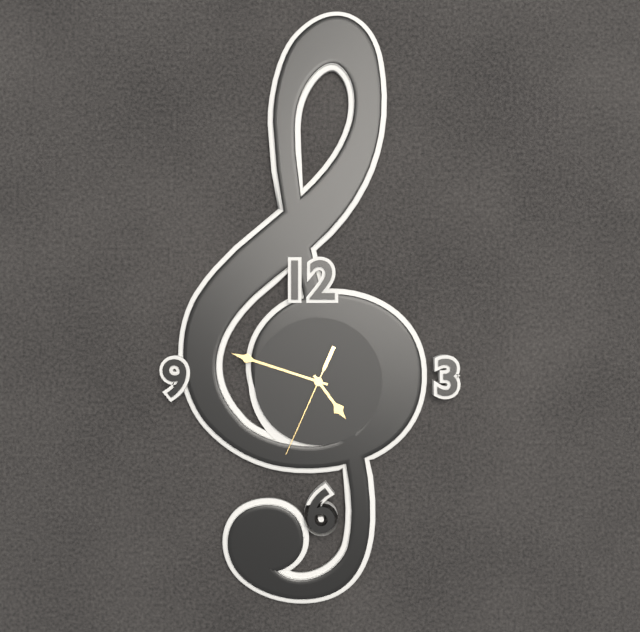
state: 4:48:34
